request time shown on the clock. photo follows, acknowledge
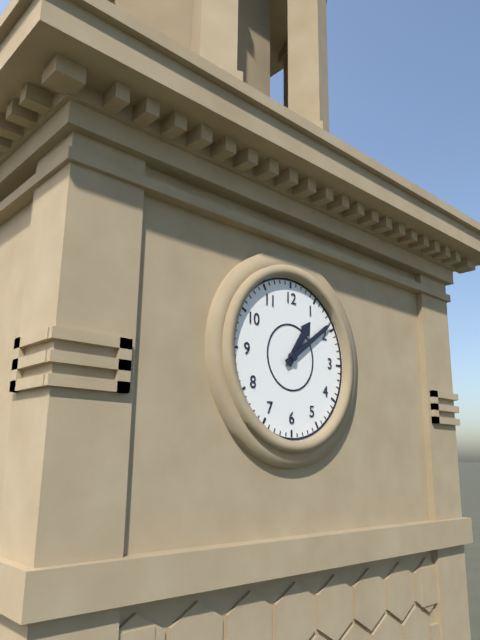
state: 1:09
